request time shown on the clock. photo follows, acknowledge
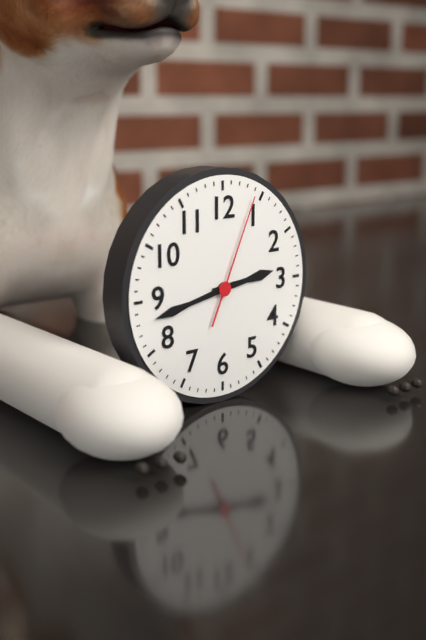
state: 2:43:04
